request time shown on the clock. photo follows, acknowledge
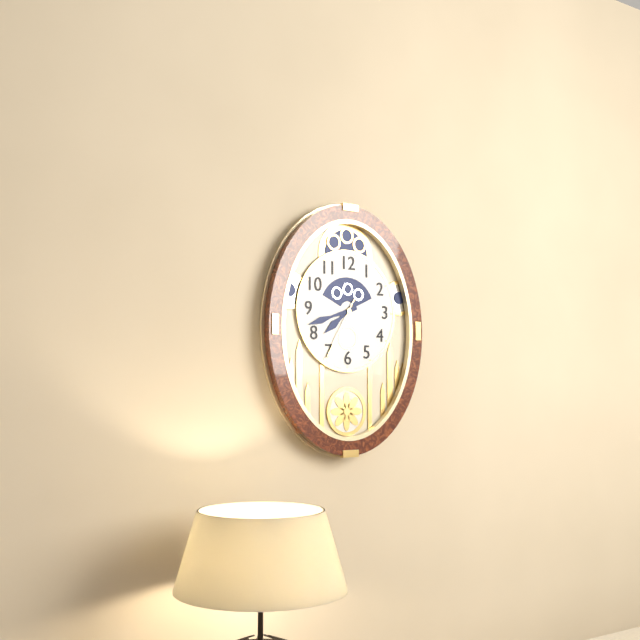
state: 7:42:35
